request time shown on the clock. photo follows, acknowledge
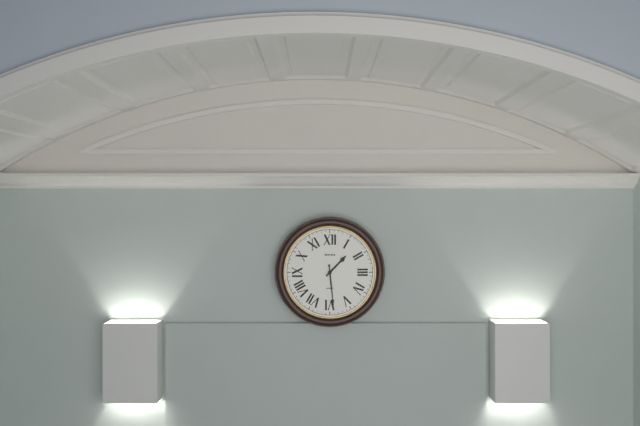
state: 1:29
